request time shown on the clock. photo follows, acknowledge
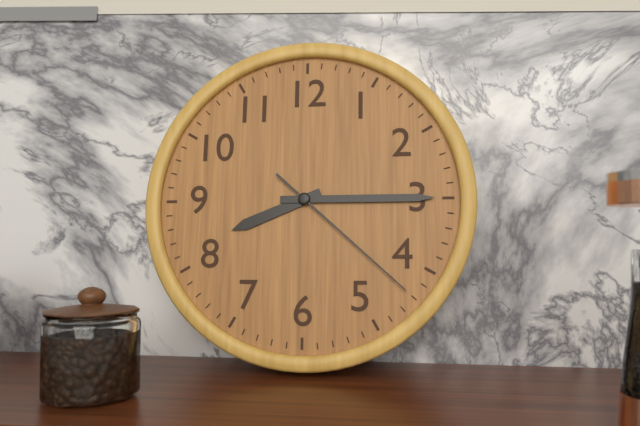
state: 8:15:22
